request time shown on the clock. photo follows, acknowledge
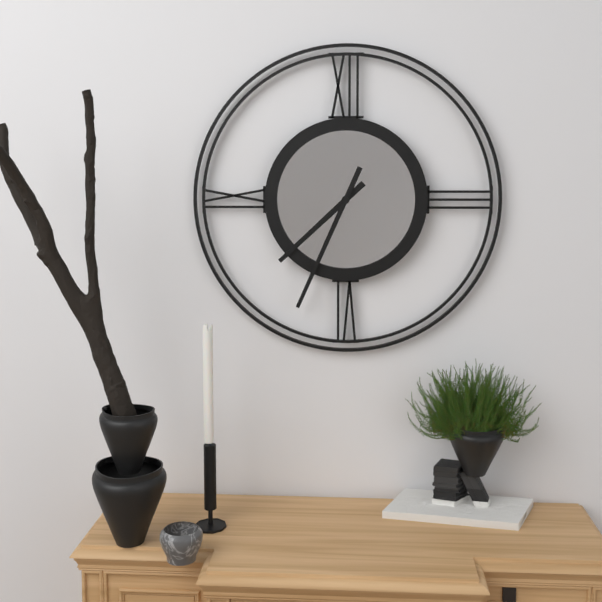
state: 7:34
